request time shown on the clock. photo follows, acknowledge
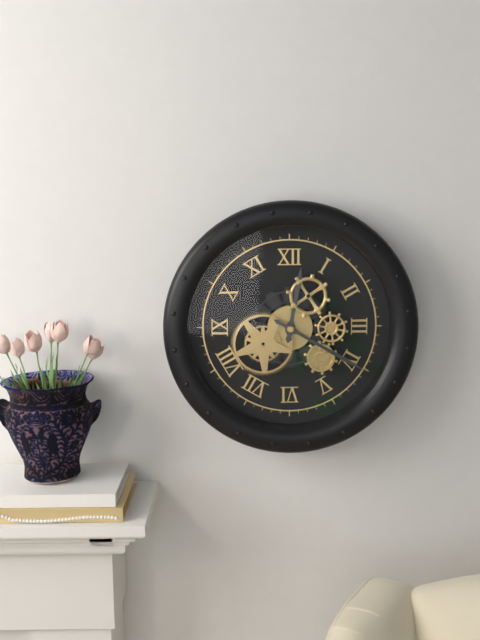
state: 12:20
